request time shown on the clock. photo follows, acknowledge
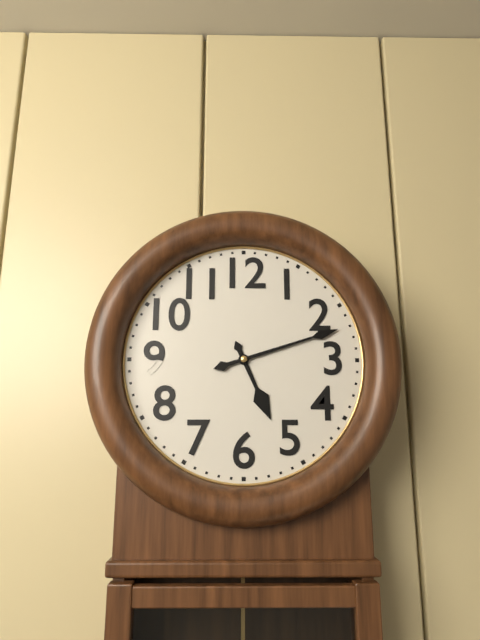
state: 5:12
